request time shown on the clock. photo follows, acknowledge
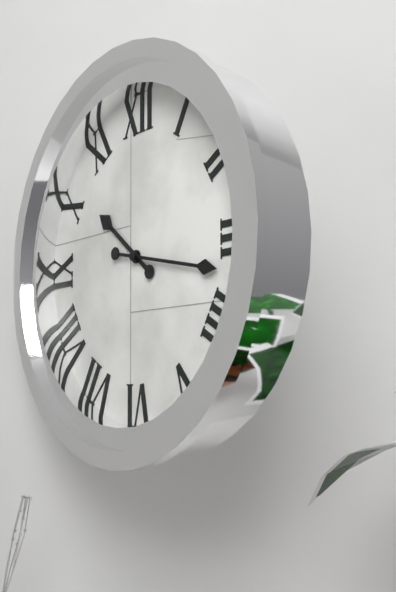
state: 10:17
